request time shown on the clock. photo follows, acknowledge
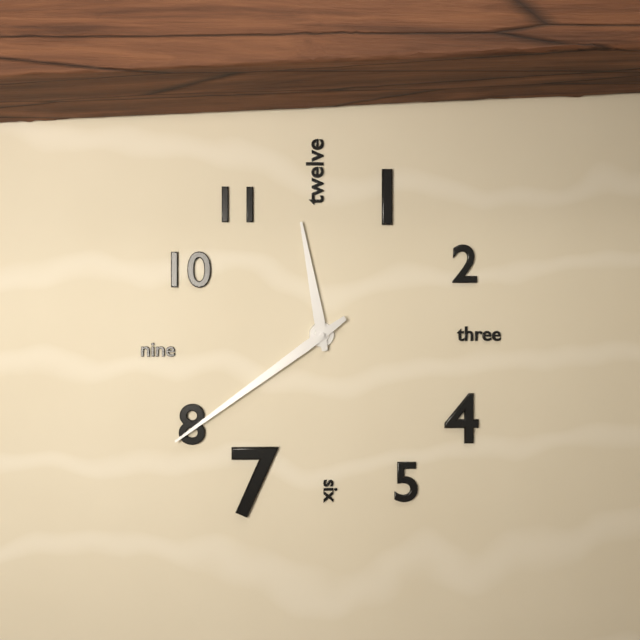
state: 11:39
